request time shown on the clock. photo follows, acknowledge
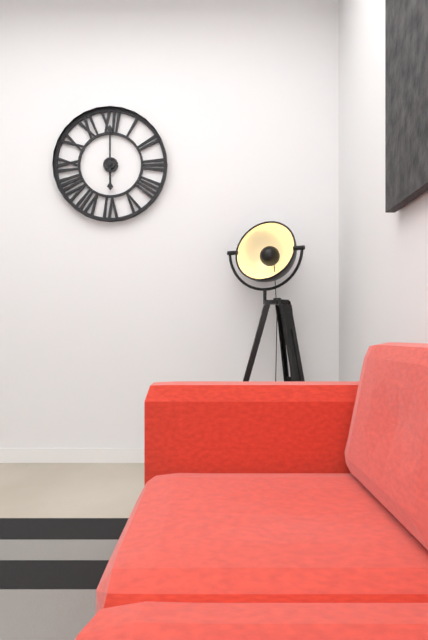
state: 6:00
